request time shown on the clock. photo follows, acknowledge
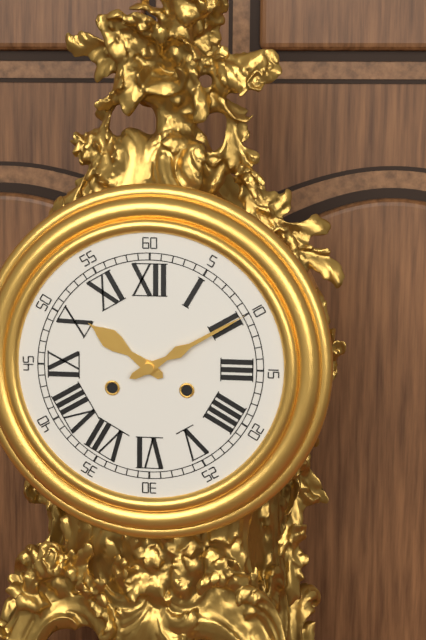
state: 10:10
